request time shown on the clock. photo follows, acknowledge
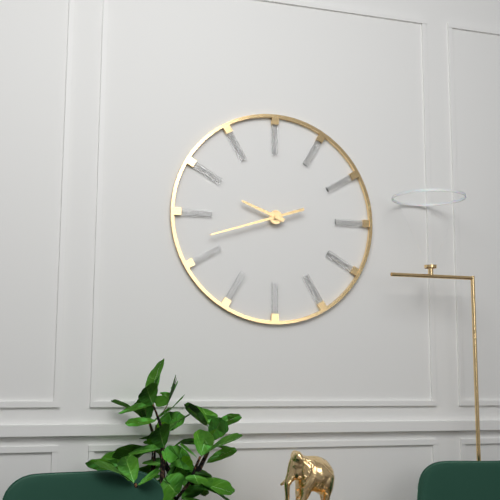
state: 9:42
